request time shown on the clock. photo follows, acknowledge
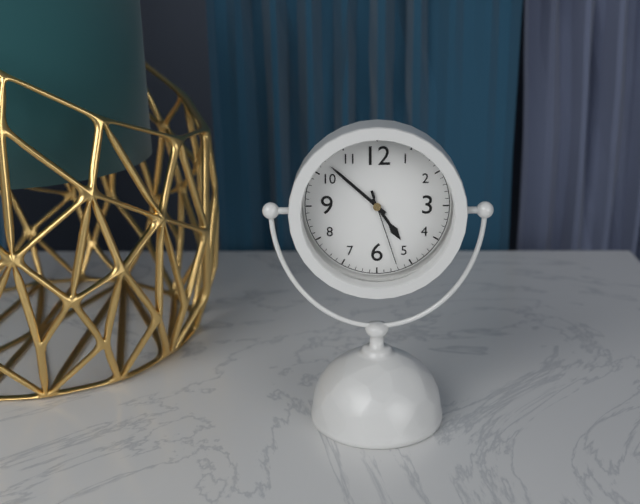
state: 4:52:27
